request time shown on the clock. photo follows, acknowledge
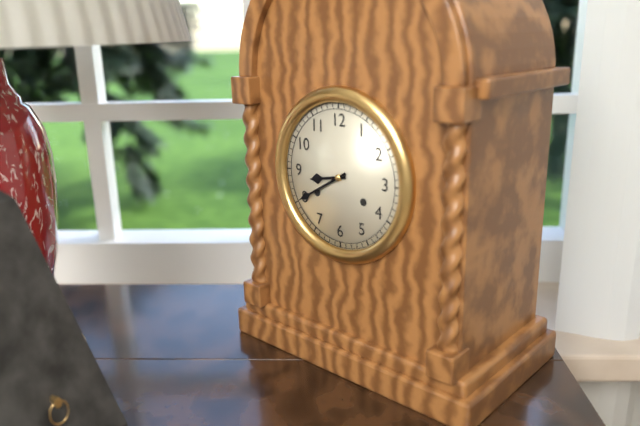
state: 8:40
